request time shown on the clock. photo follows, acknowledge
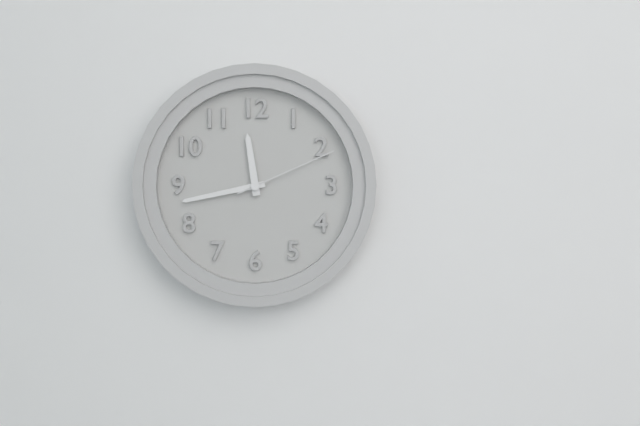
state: 11:43:11
